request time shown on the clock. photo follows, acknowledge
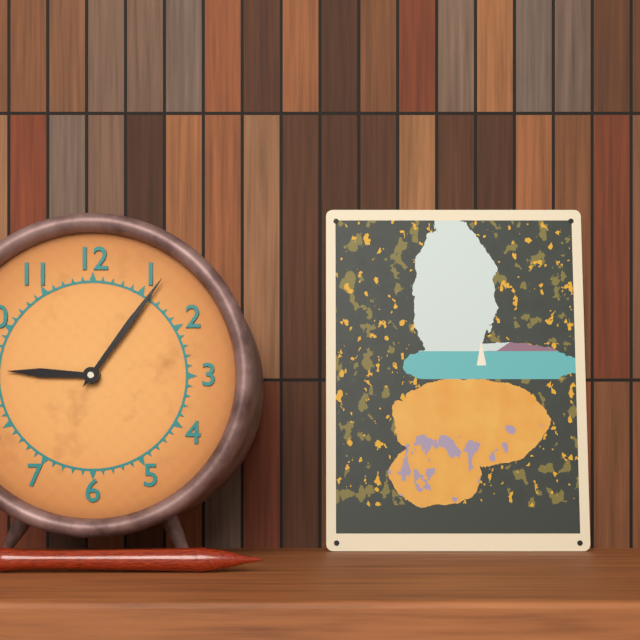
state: 9:06
